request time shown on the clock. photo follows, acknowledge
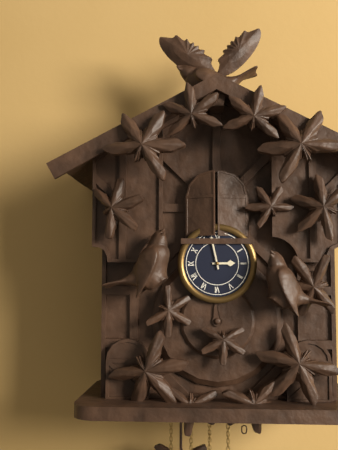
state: 2:58
